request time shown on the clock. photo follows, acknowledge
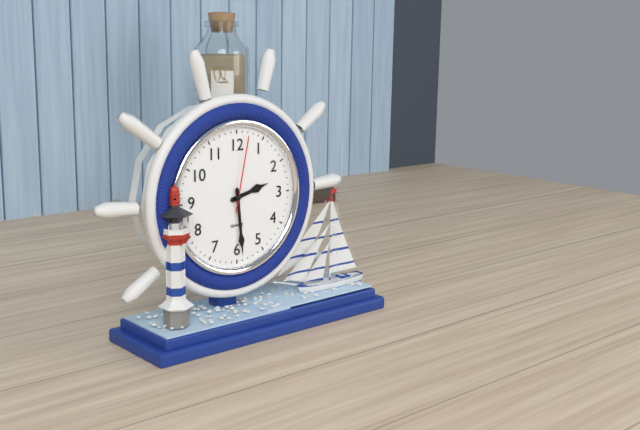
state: 2:29:02
